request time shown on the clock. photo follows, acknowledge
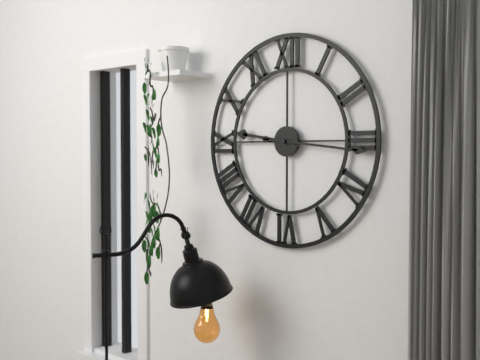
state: 9:16
